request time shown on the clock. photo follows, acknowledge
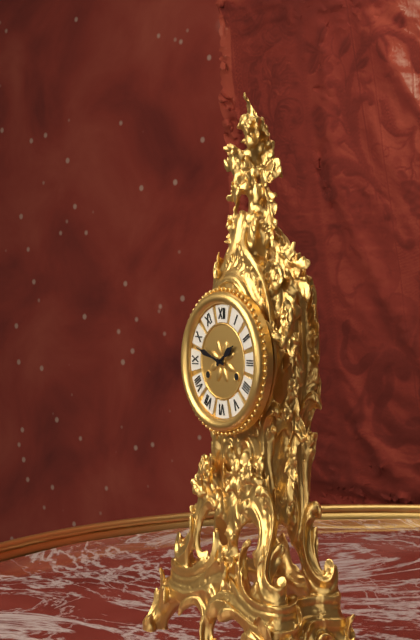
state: 1:48
